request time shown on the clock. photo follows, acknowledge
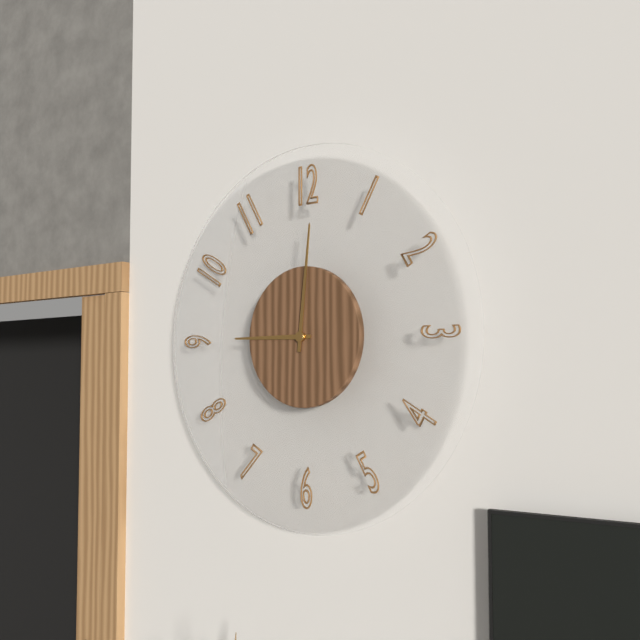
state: 9:01
